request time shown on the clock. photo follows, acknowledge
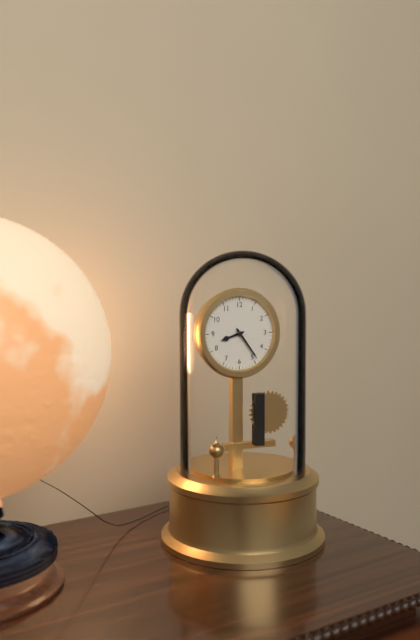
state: 8:24
